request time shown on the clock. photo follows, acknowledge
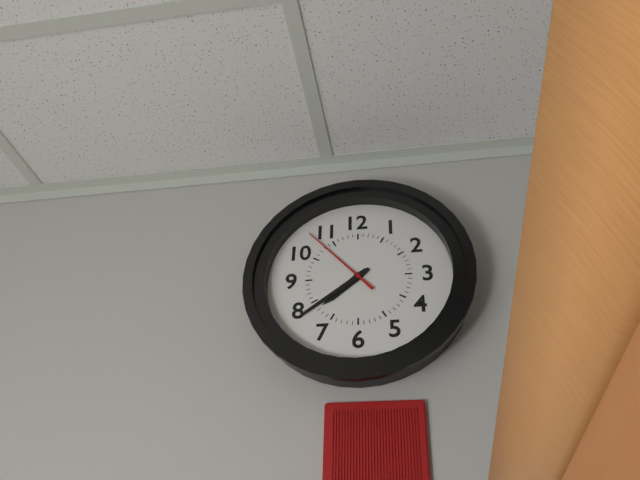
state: 7:39:53
